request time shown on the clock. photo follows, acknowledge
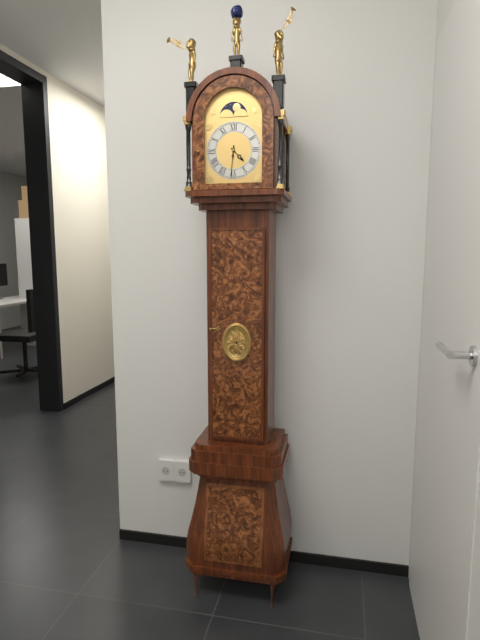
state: 4:31
